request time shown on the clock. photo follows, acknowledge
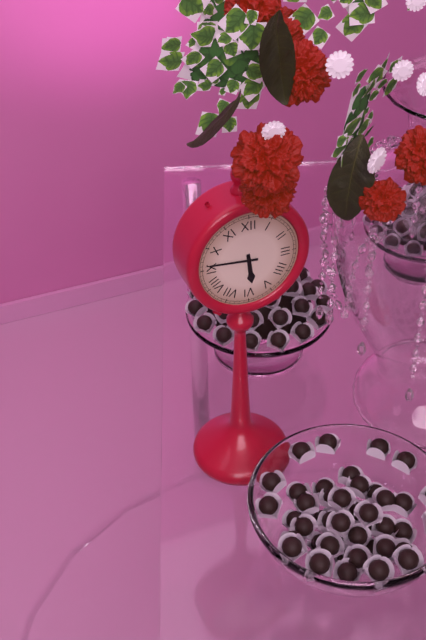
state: 5:46
